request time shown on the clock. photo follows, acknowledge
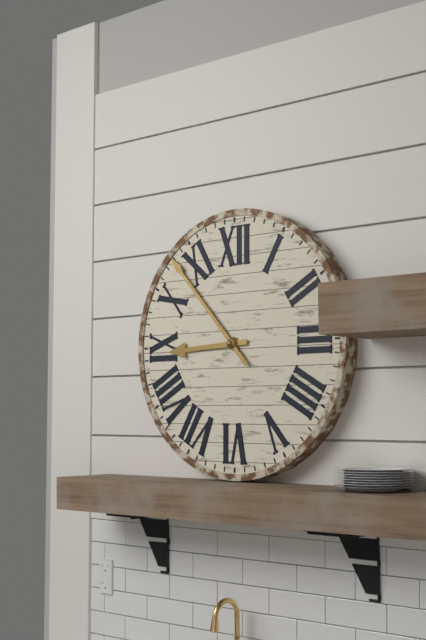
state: 8:53
